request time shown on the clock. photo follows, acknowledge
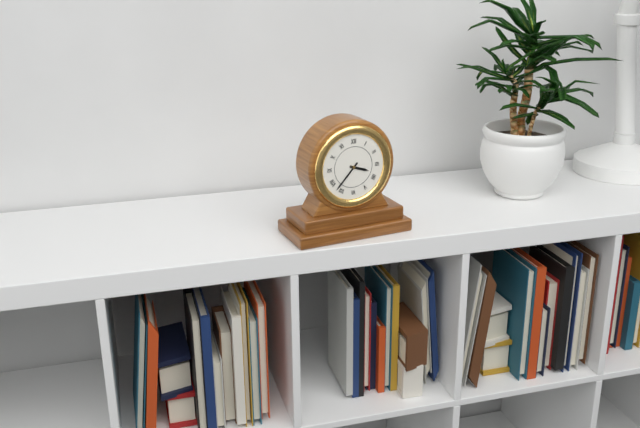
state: 3:37
